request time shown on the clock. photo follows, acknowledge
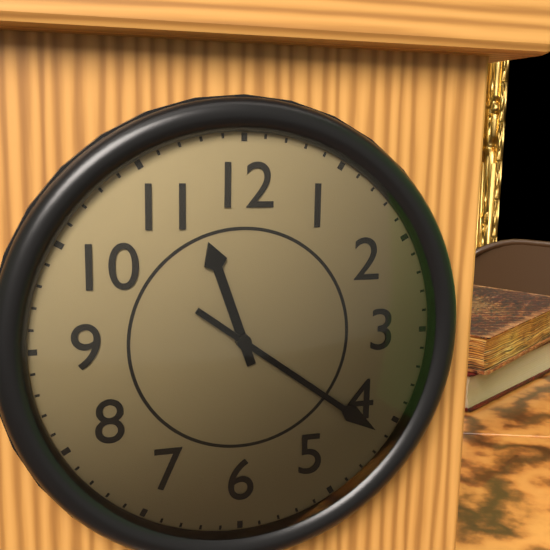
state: 11:21
